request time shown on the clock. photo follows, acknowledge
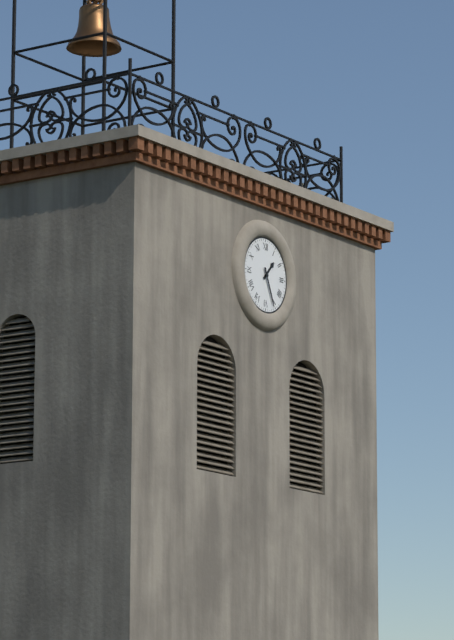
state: 1:26
